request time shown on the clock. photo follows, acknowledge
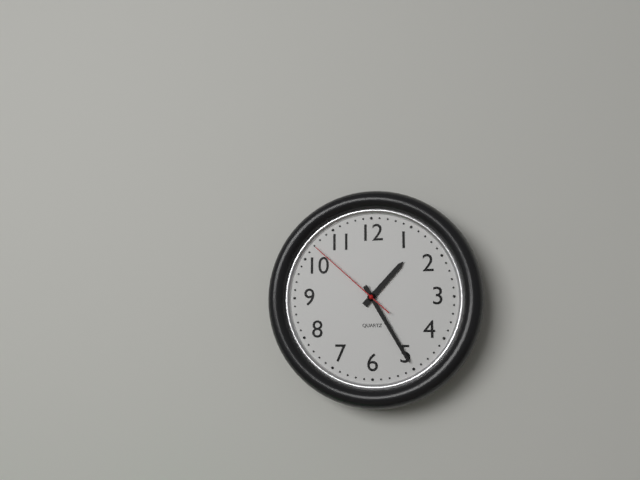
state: 1:25:52
